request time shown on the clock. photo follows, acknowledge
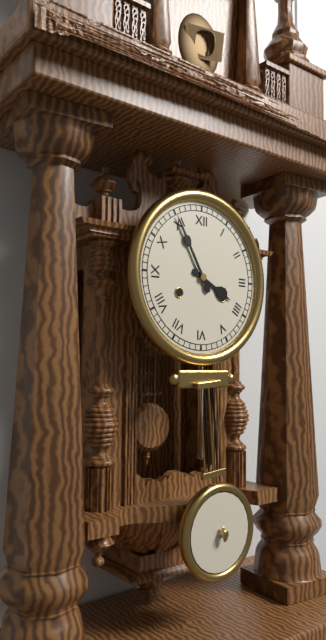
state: 3:55
